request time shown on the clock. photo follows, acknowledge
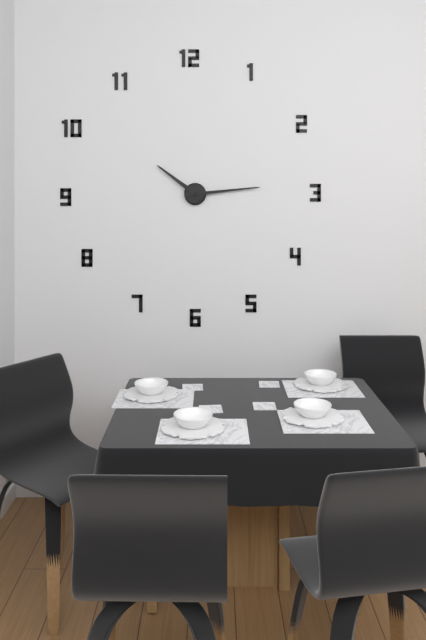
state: 10:14
